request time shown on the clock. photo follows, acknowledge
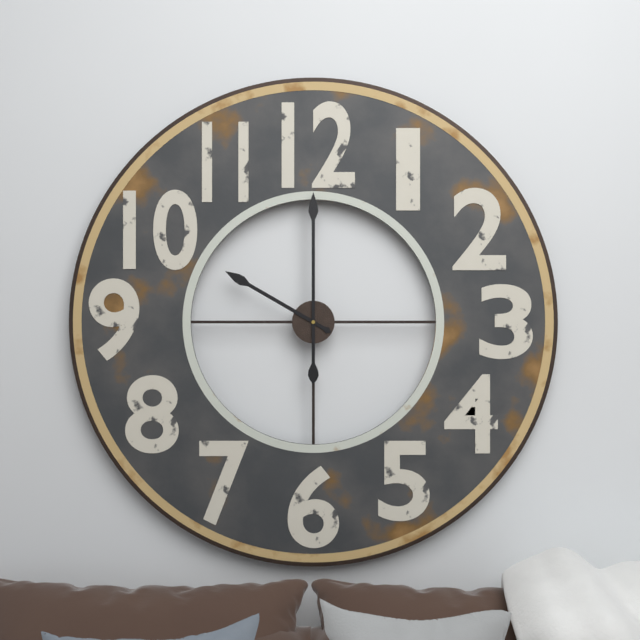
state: 10:00
